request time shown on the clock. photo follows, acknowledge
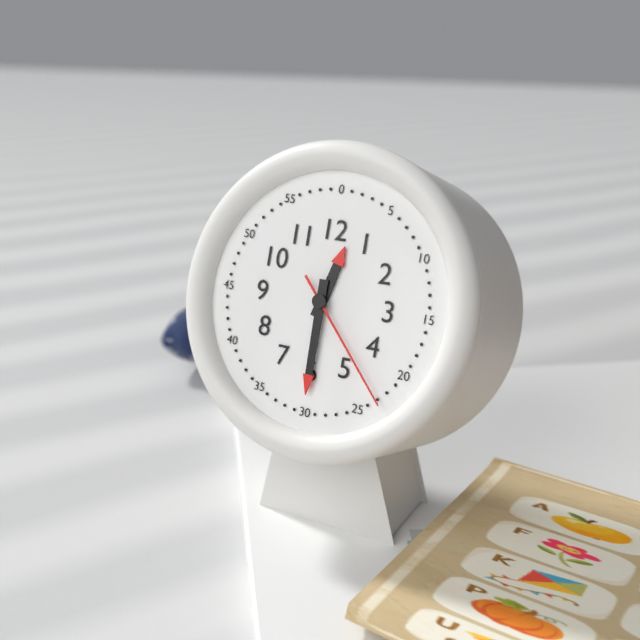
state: 12:30:23
